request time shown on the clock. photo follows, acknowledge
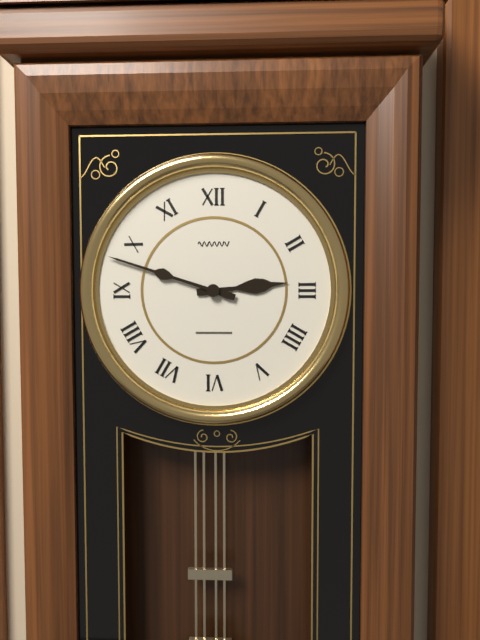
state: 2:48
